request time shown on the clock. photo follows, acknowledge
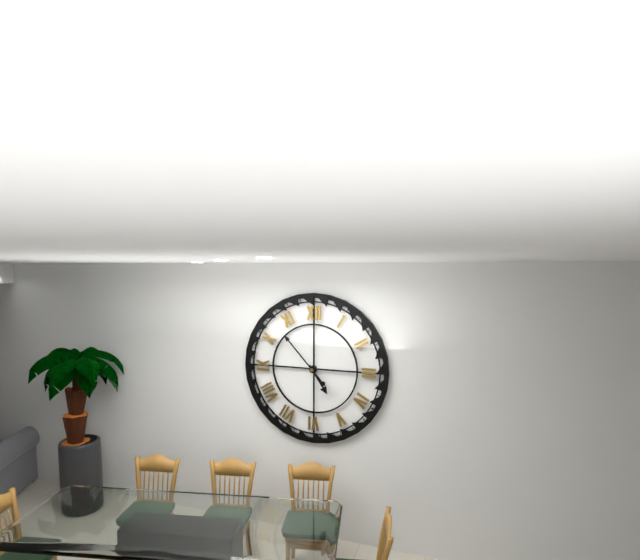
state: 4:53
